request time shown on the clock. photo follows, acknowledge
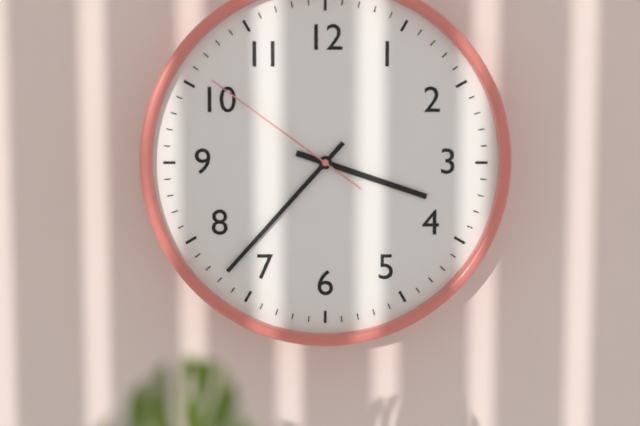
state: 3:37:51
